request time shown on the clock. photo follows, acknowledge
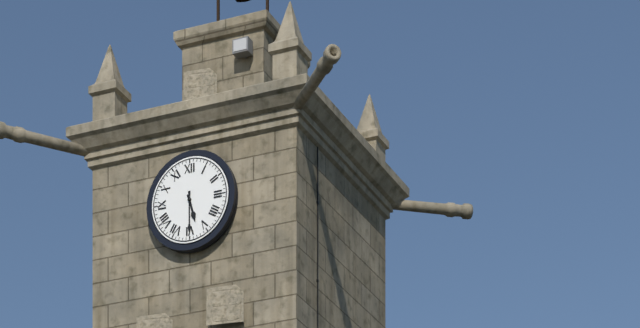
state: 5:30
